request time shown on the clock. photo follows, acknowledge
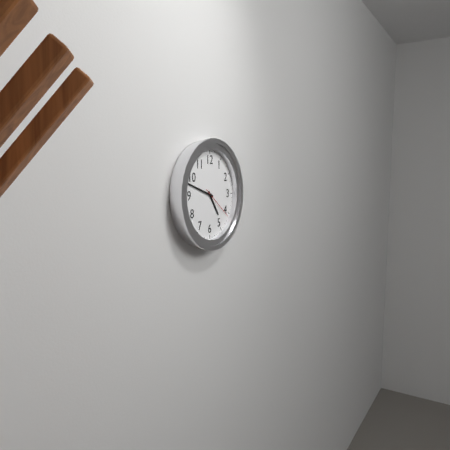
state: 4:48
